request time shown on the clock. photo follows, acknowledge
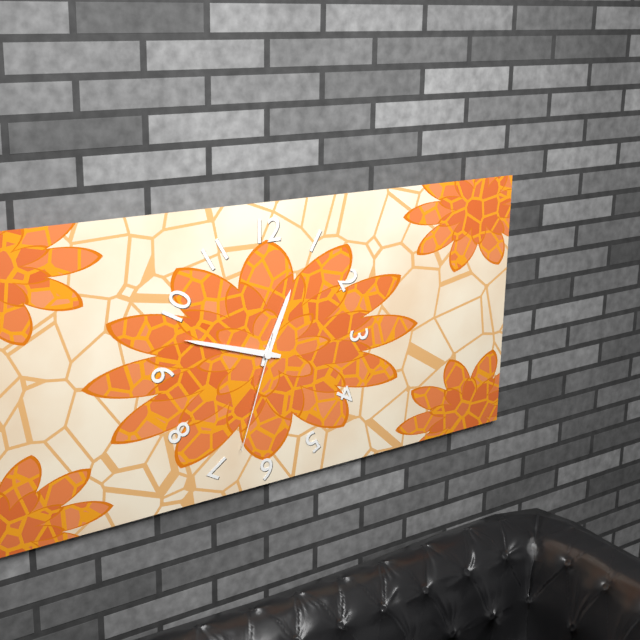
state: 12:48:33
